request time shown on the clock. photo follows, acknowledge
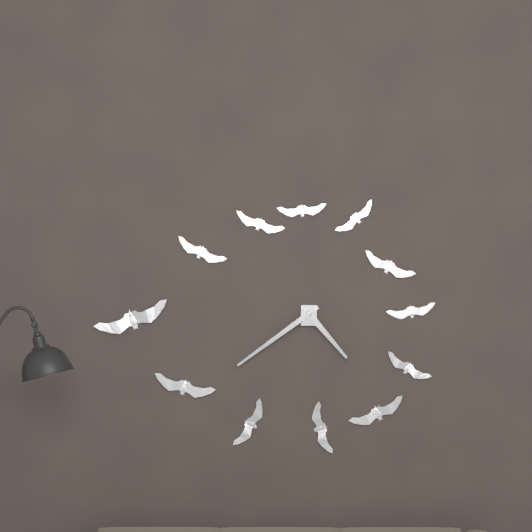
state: 4:39
